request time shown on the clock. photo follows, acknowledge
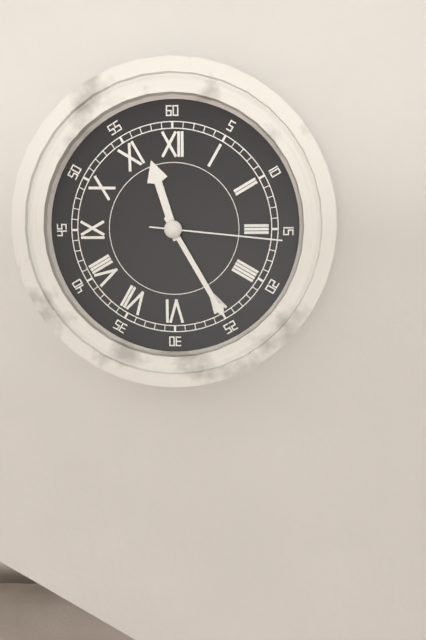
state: 11:25:16
